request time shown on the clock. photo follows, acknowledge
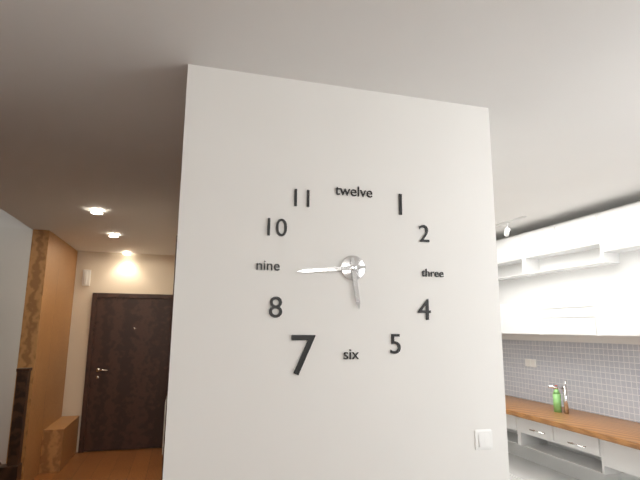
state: 5:44
